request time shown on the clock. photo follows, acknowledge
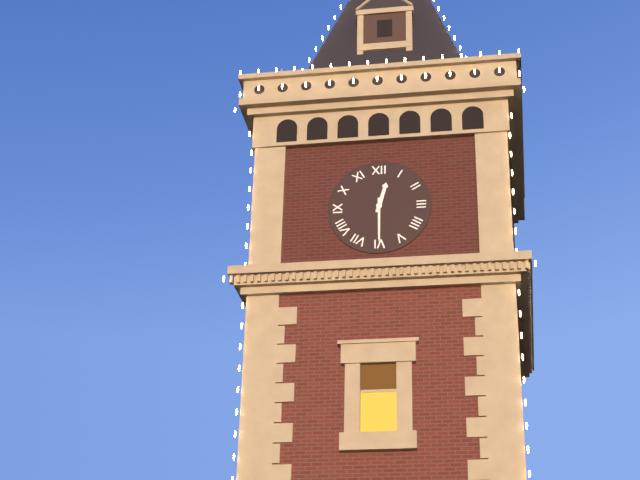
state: 12:30
